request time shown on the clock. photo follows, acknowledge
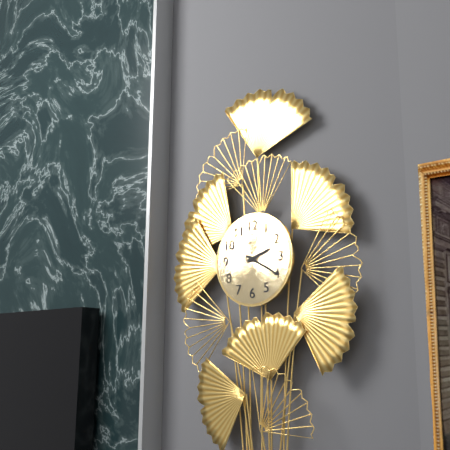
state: 2:20
